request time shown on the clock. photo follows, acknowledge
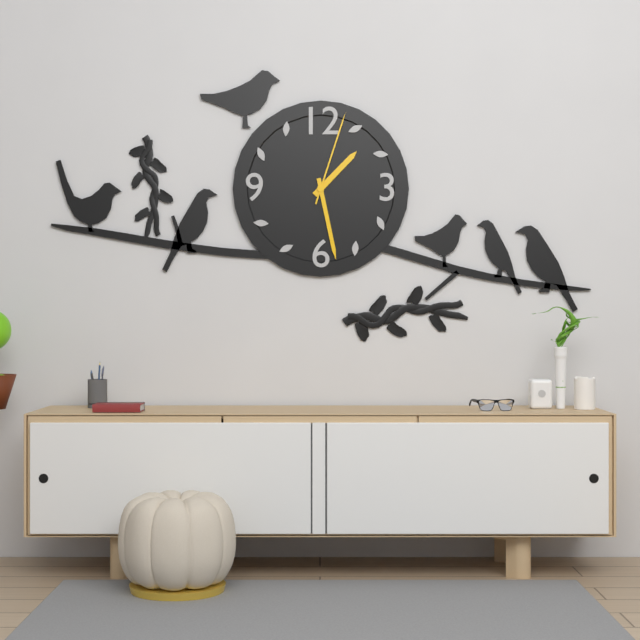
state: 1:28:03
